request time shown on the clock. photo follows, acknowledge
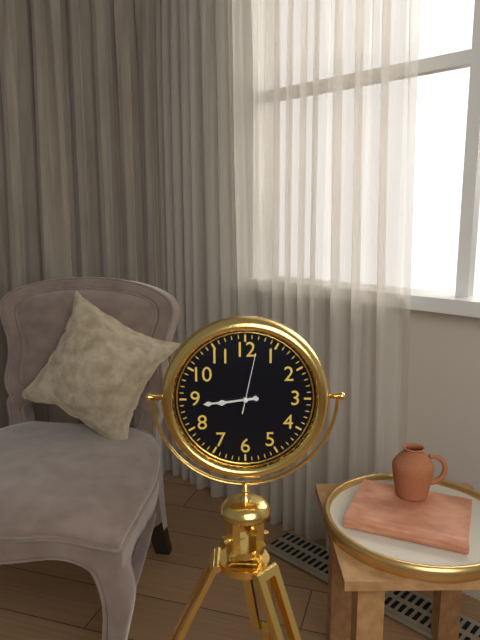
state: 8:44:02
